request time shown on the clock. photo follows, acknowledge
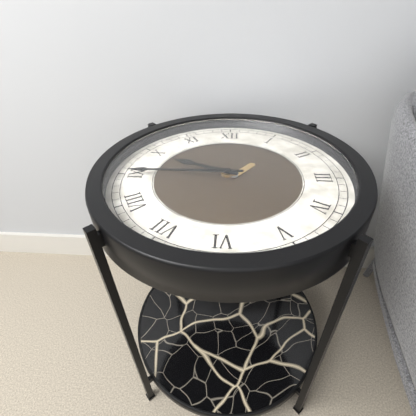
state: 9:45
